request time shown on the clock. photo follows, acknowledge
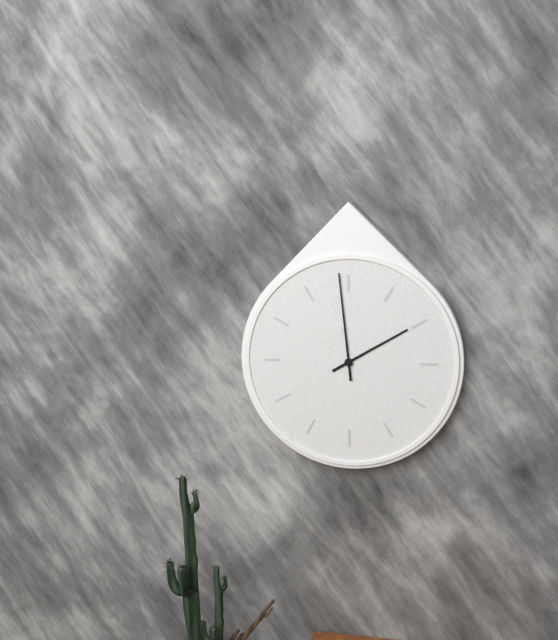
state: 1:59
